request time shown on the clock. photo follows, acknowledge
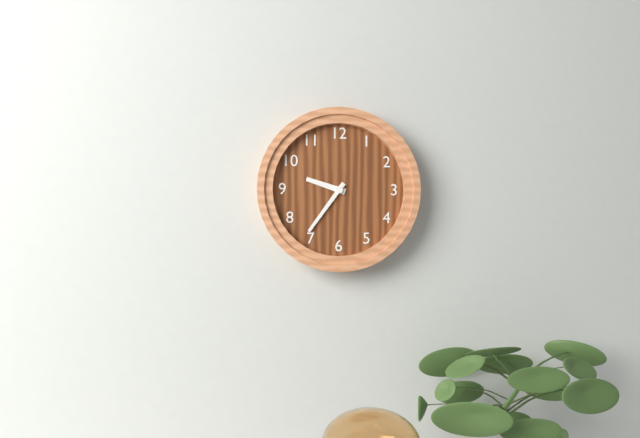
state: 9:36
